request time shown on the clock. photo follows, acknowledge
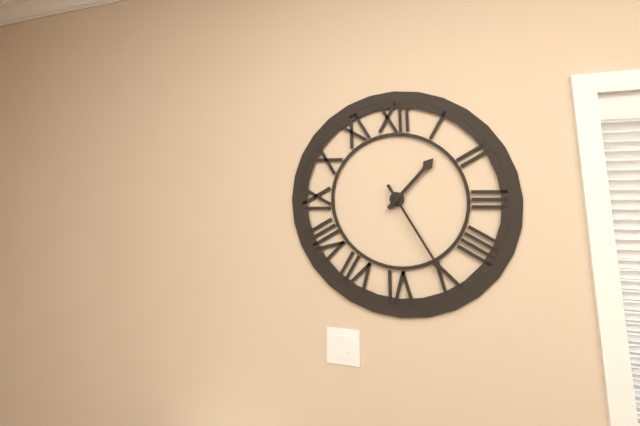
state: 1:25
